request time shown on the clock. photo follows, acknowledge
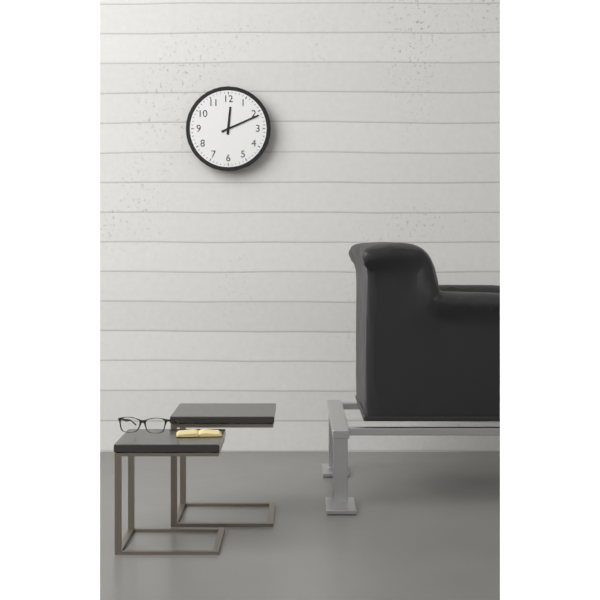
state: 12:11
